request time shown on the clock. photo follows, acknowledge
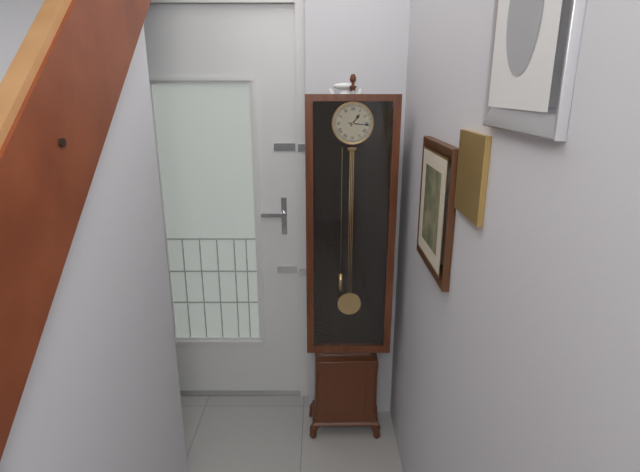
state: 1:16
